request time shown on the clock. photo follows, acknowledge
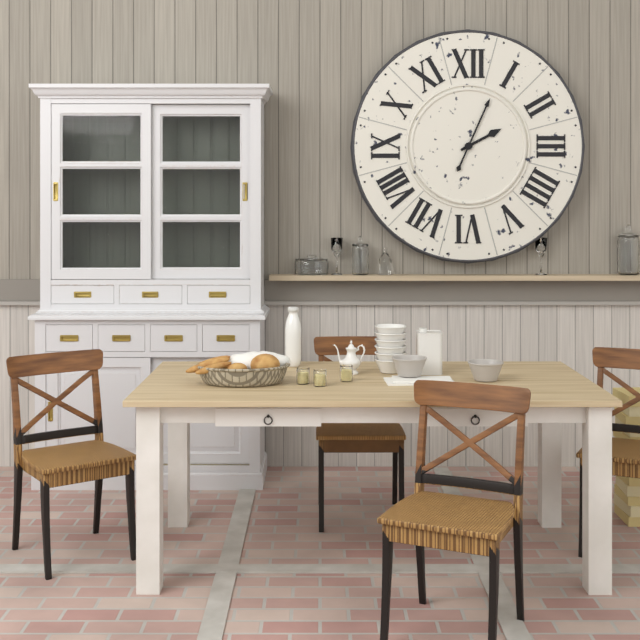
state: 2:04
